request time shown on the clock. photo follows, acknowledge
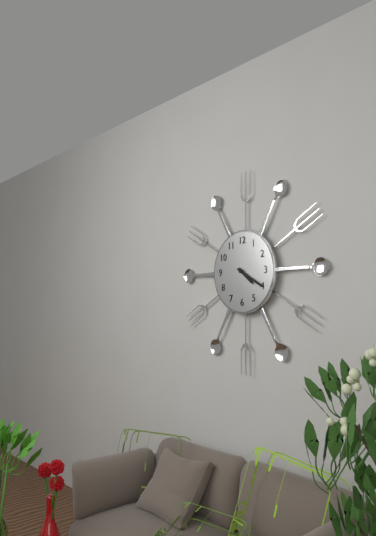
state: 4:20
